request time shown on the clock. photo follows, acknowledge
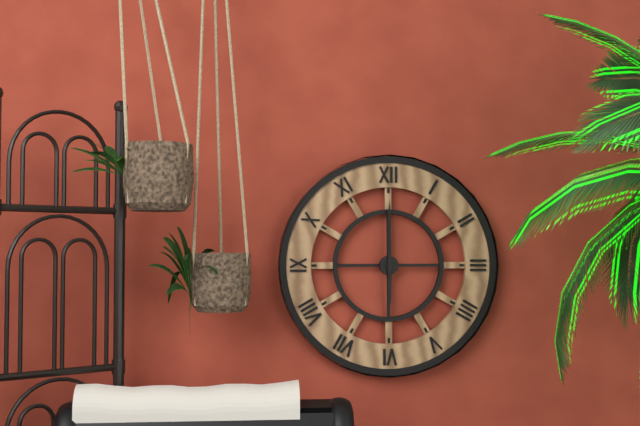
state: 6:00
